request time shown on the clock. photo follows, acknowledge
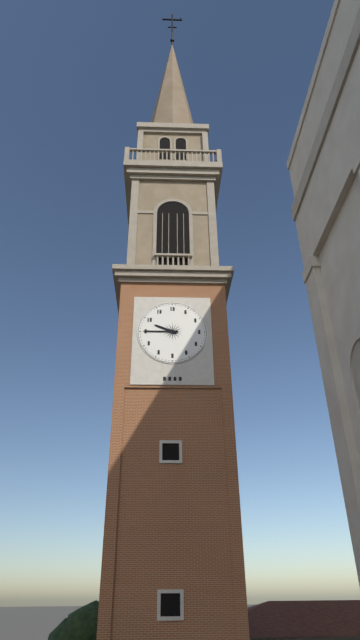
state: 9:45
